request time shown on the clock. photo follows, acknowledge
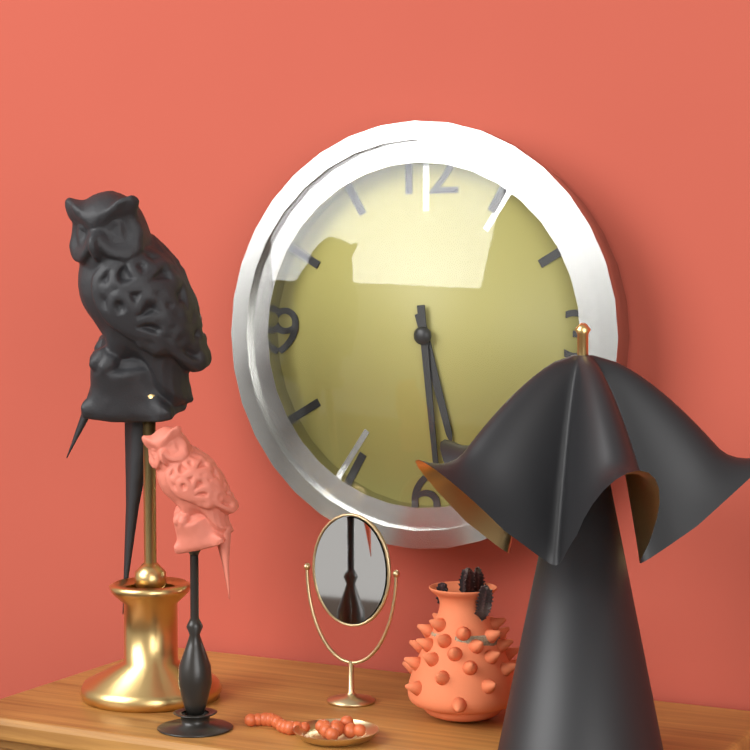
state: 5:29
